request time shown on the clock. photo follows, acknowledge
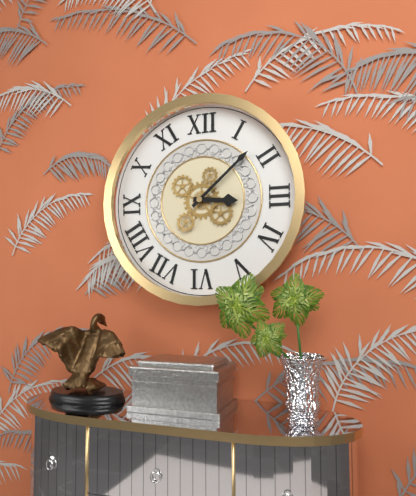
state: 3:08
